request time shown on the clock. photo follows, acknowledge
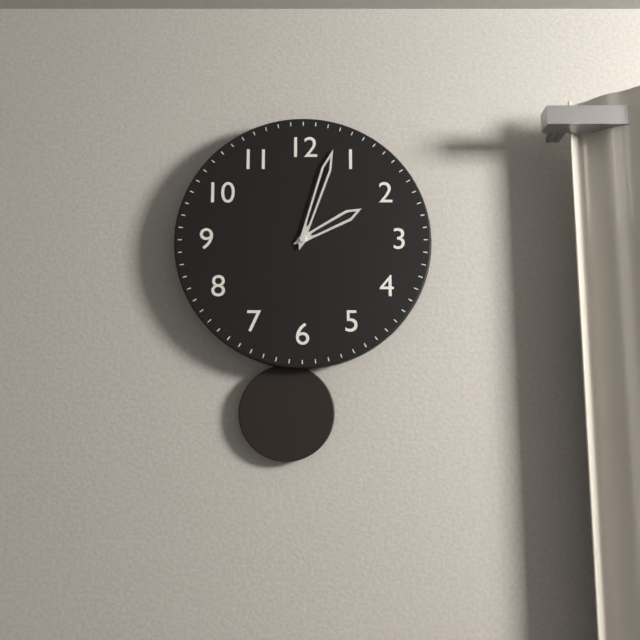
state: 2:03
